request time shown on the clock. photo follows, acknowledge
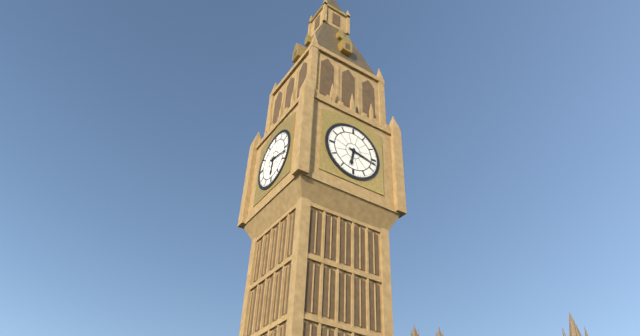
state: 6:17
